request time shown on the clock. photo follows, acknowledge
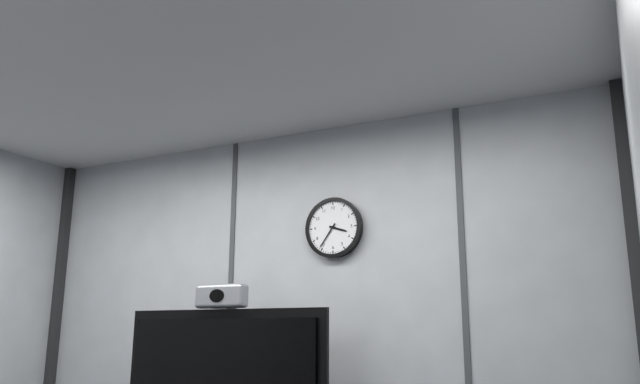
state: 3:36
